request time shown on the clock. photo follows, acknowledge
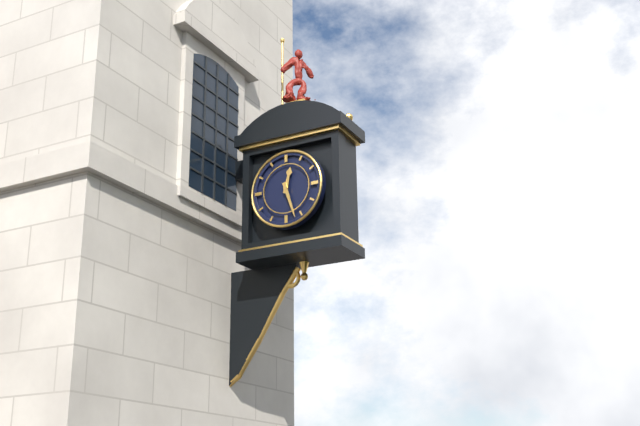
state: 12:27
